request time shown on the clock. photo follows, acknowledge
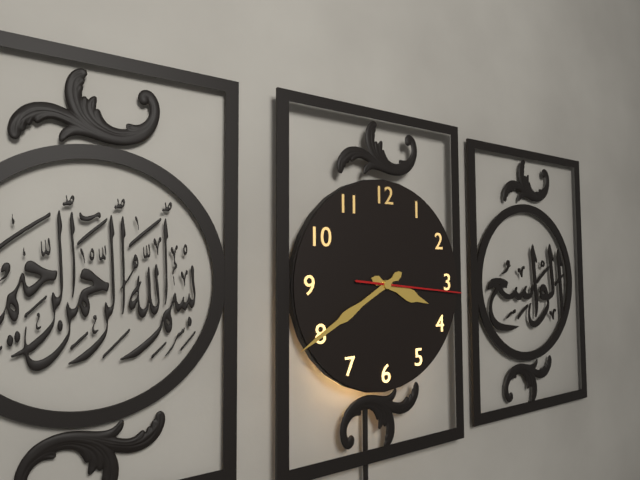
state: 3:40:16
